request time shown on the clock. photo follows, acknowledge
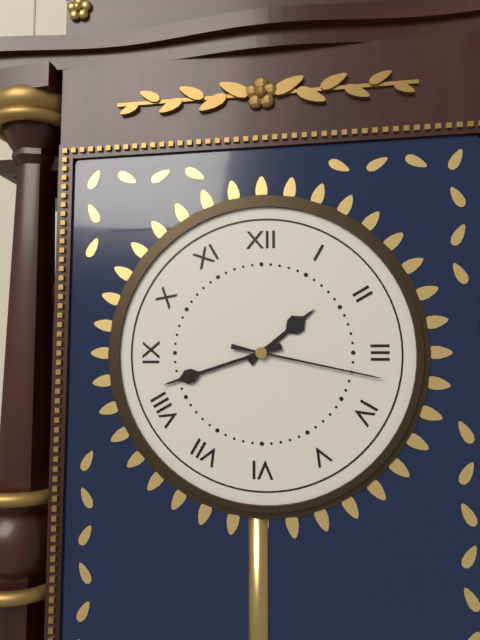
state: 1:42:17
